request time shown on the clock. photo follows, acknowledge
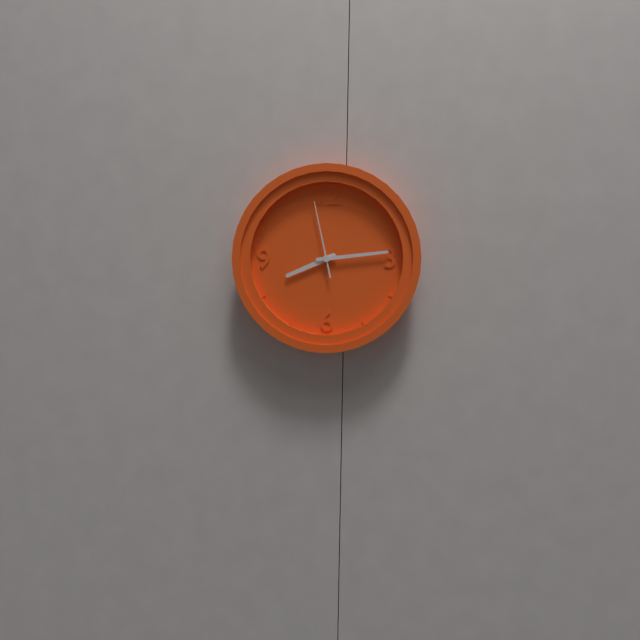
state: 8:14:58
